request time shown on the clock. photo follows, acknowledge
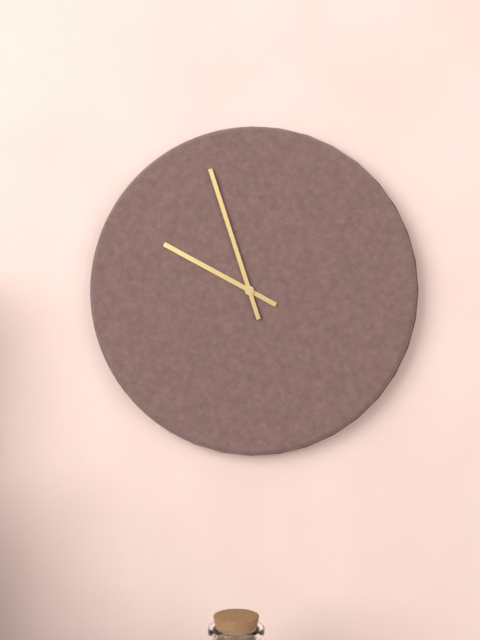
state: 9:57
